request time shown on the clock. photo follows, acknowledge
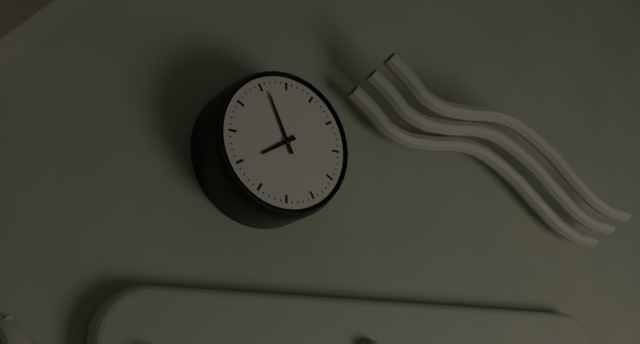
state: 7:56
